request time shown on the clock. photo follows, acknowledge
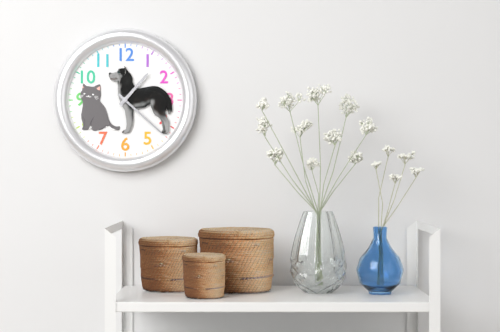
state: 1:22
